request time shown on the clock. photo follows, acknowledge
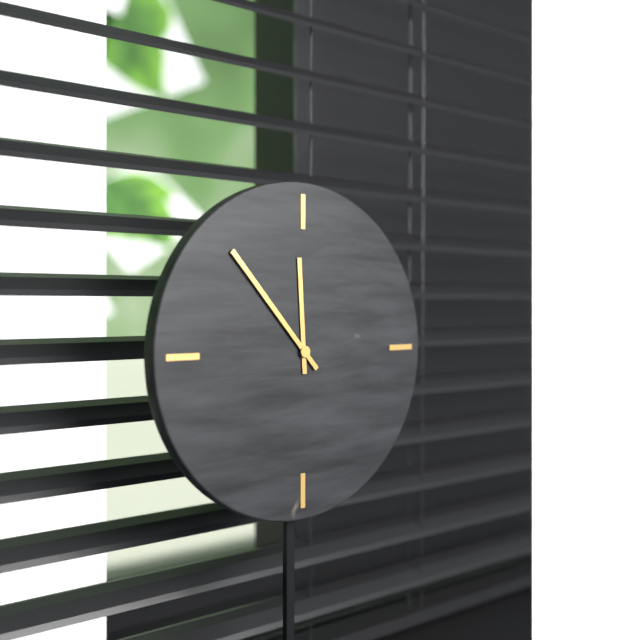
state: 11:53
